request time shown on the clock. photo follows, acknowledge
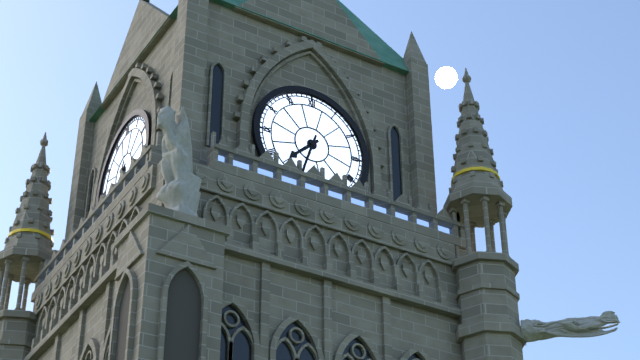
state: 7:33
